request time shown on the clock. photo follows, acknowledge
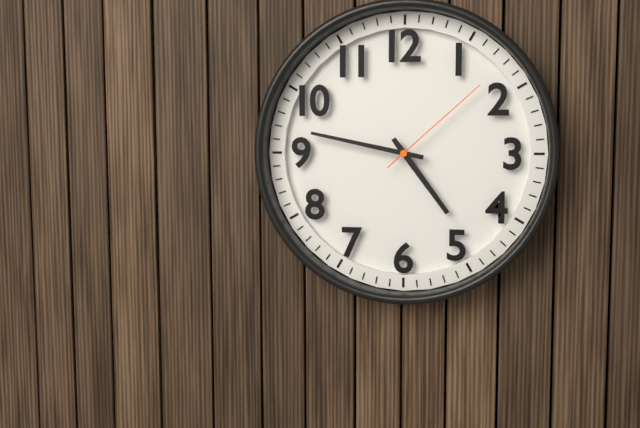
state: 4:47:08
